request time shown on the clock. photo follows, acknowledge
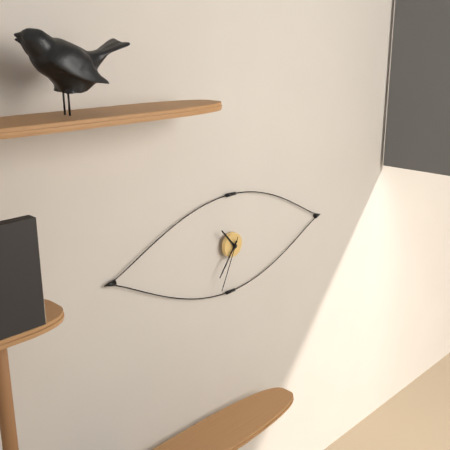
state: 10:36:34
